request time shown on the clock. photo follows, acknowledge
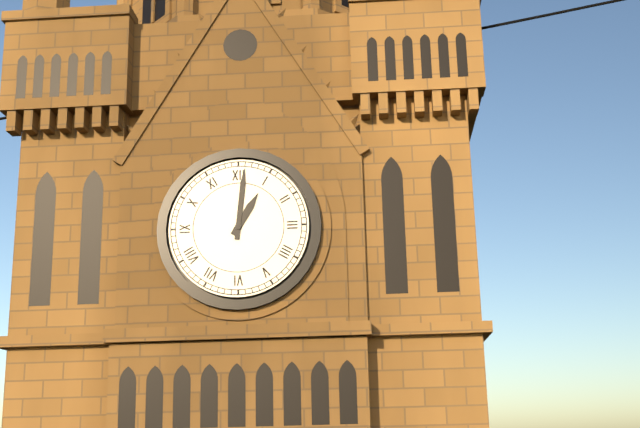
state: 1:01
